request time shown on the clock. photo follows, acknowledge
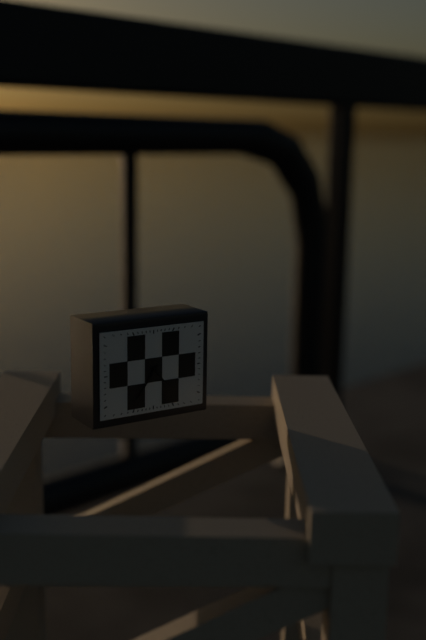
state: 4:36
